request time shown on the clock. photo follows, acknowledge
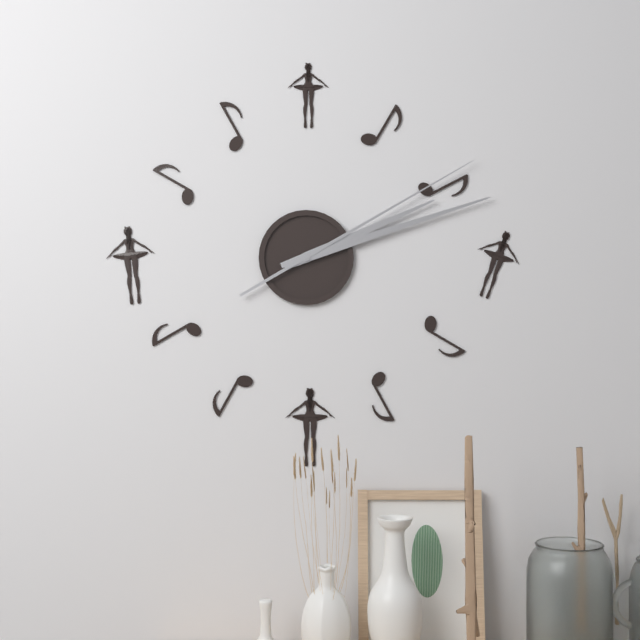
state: 2:12:10
